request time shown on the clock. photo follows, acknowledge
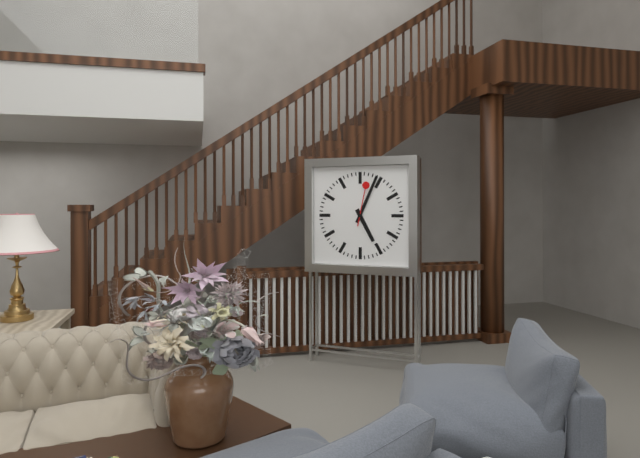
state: 5:04
